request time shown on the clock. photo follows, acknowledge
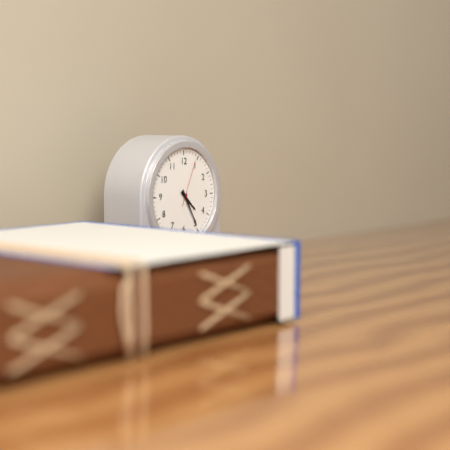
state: 4:25:04
